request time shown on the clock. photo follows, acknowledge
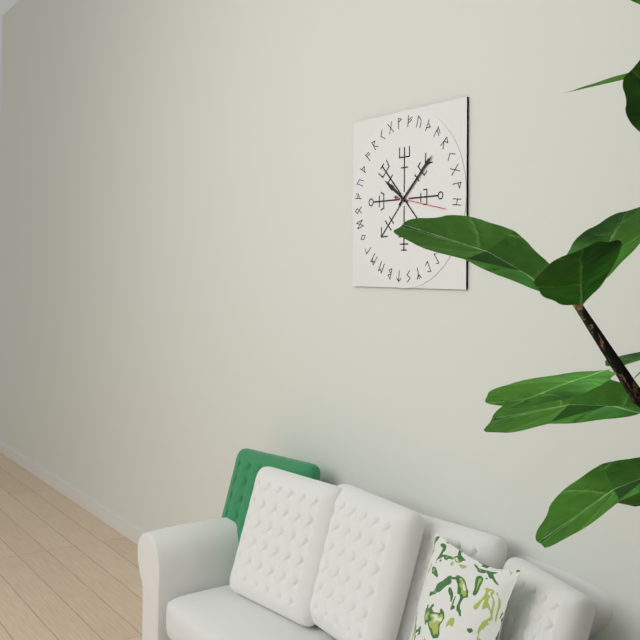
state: 10:08
